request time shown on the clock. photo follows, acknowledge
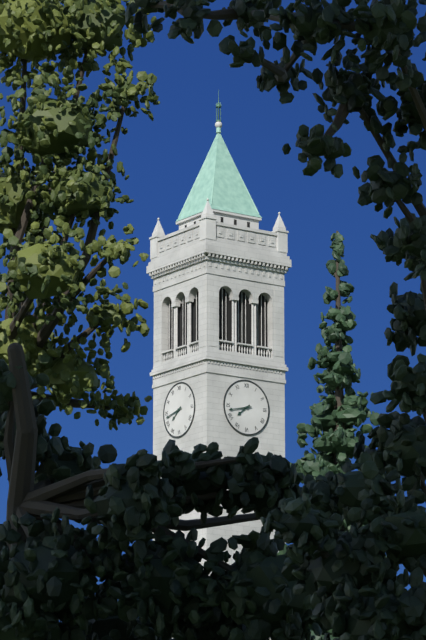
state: 7:43
